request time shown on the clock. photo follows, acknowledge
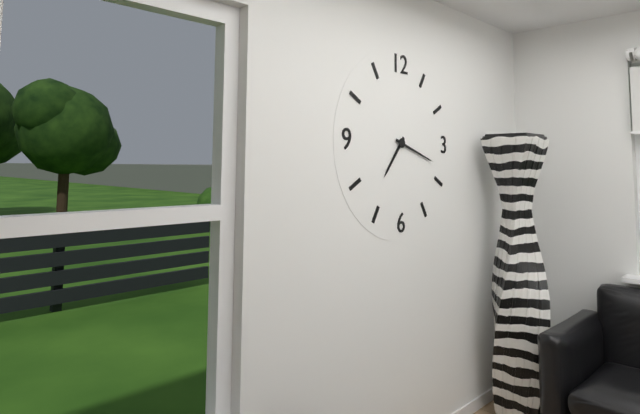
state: 7:18
